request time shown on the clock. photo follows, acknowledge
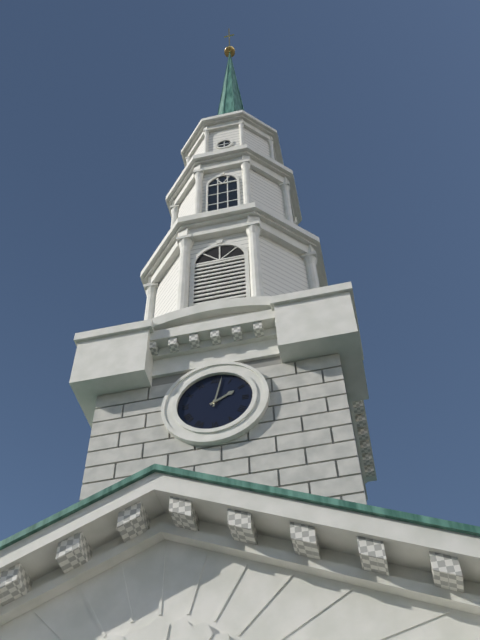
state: 2:02
